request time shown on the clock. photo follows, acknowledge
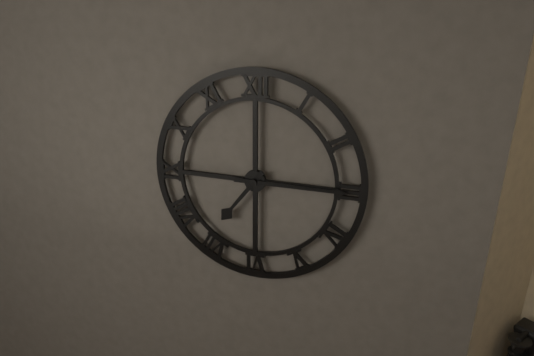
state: 7:15
